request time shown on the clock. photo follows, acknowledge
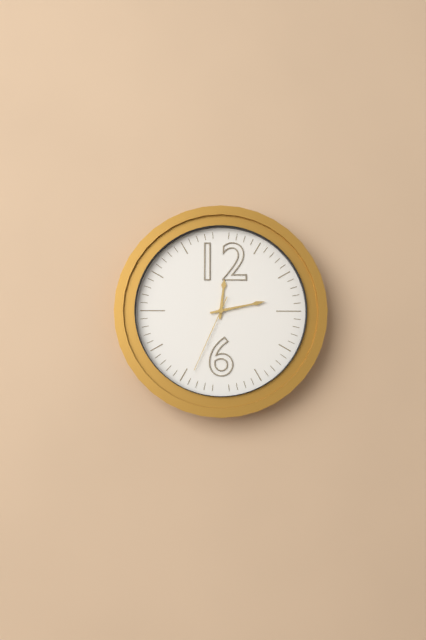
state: 12:13:34
